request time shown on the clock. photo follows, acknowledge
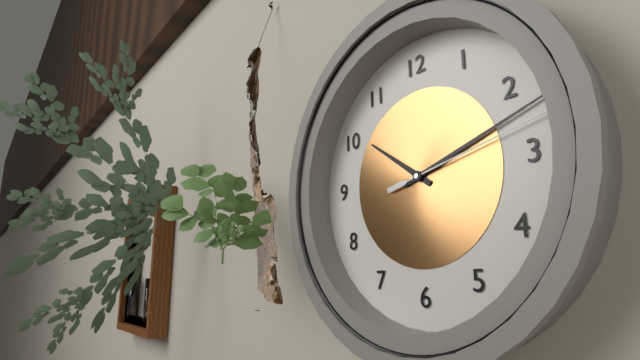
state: 10:12:13
